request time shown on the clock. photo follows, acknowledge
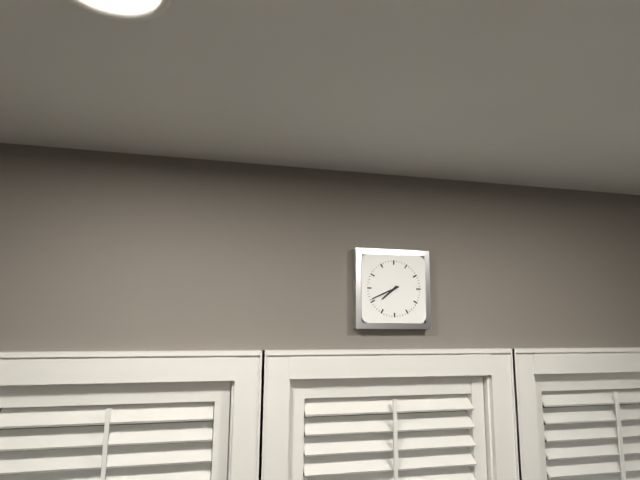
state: 7:41
